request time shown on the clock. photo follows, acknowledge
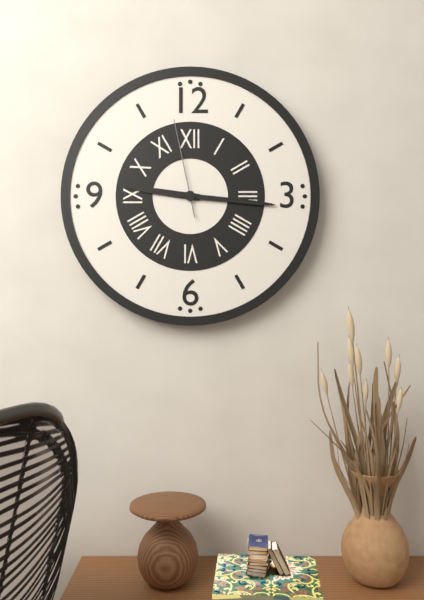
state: 9:16:58
